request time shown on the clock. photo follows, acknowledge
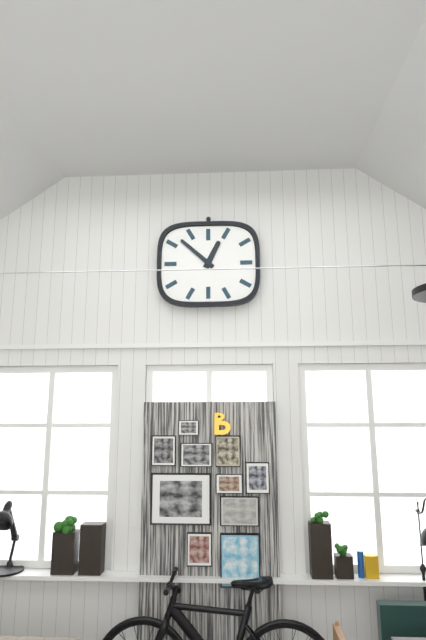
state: 12:52
